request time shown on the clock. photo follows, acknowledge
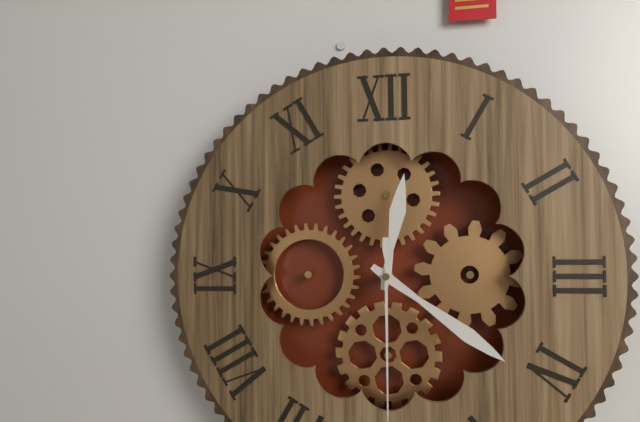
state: 12:21
